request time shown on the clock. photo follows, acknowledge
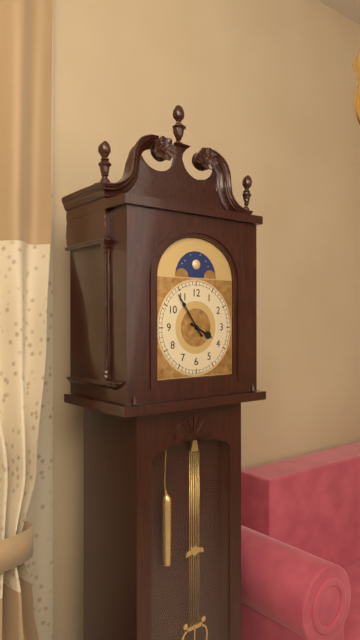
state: 3:54
